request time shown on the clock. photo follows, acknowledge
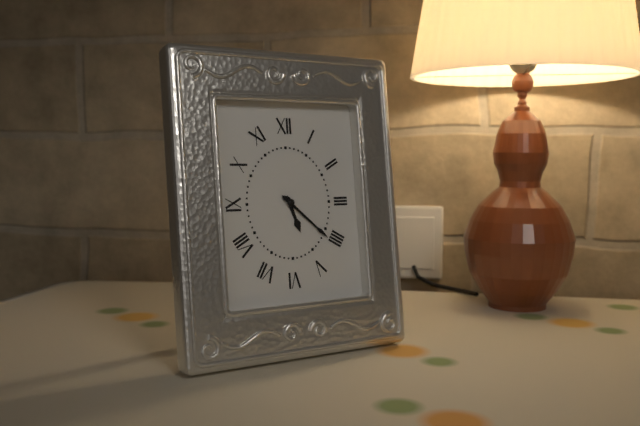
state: 5:22
